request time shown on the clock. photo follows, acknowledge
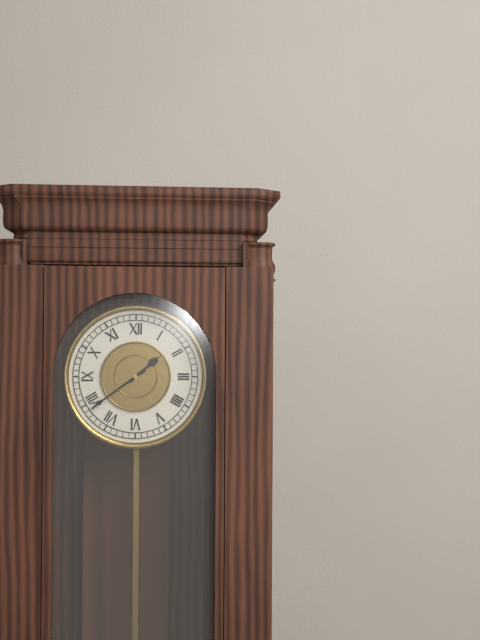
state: 1:39
